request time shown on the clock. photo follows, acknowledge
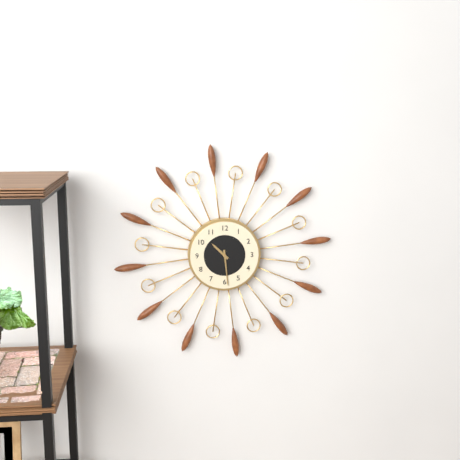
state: 10:29
